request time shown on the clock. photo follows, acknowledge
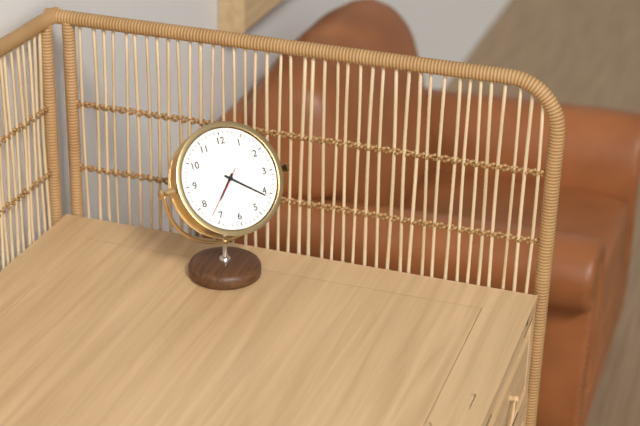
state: 7:21:37
